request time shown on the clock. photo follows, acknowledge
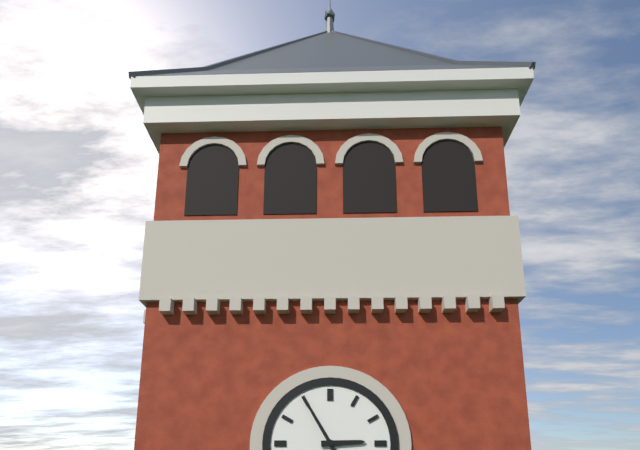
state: 2:55
